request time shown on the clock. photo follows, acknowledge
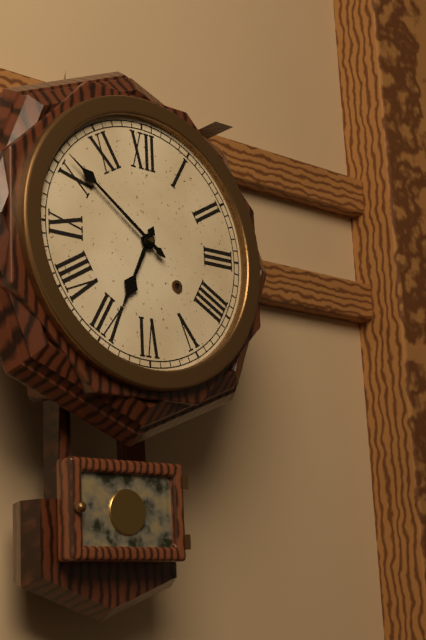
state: 6:51
